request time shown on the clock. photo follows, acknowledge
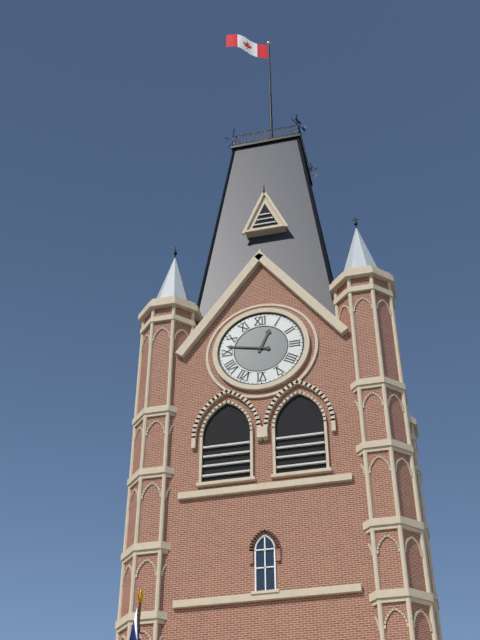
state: 12:47
